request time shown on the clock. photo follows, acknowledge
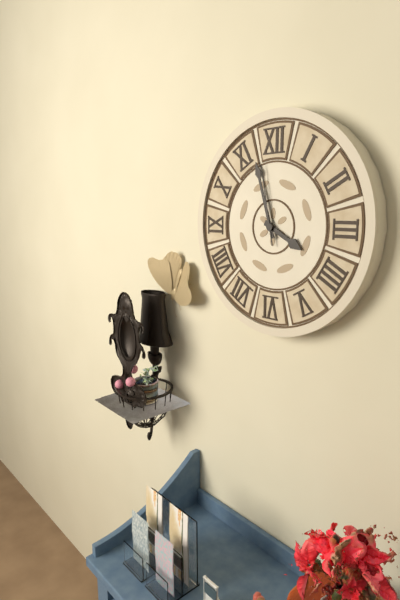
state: 3:57:58
